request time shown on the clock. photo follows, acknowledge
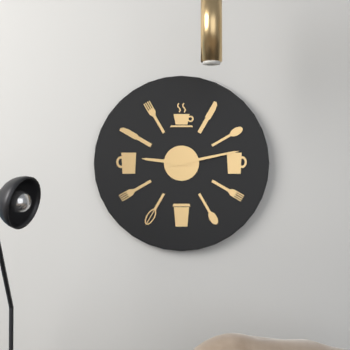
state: 9:13
